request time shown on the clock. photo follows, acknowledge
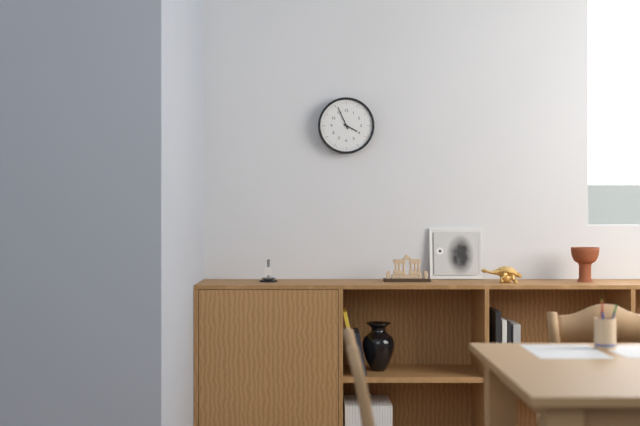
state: 3:56
